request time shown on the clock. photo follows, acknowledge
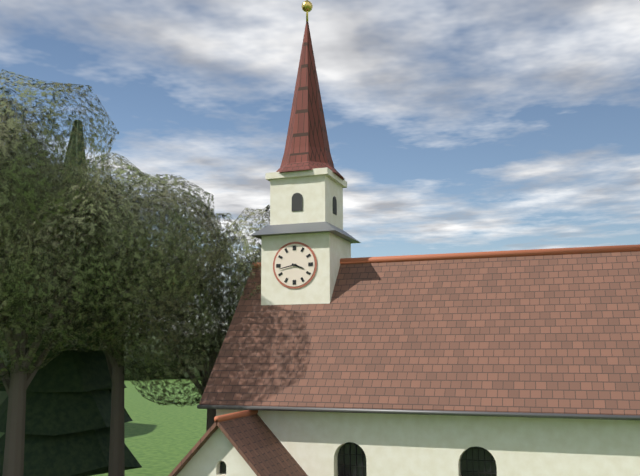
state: 3:43
